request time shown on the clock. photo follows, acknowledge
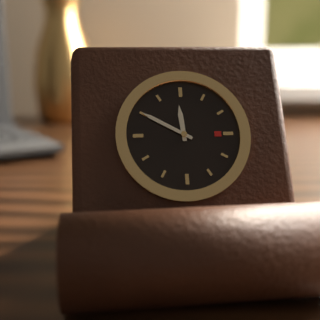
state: 11:50
